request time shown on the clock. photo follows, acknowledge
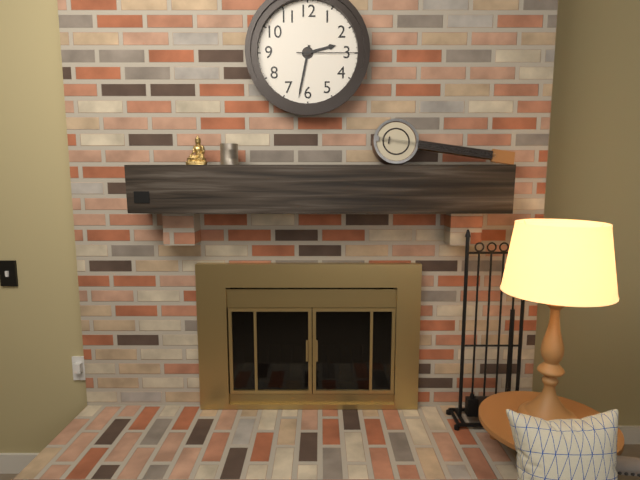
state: 2:32:15
